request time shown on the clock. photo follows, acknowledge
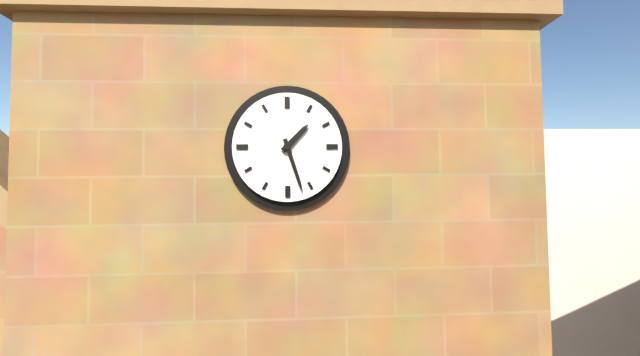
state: 1:27
